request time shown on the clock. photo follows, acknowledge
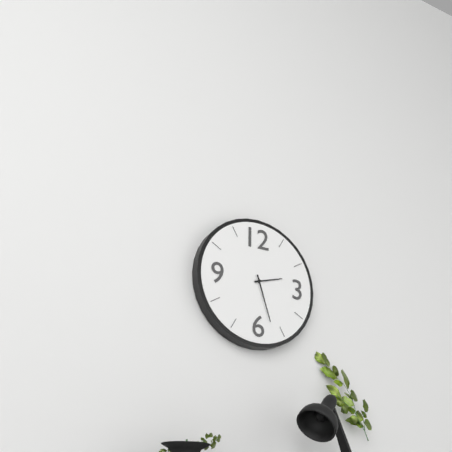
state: 2:27
